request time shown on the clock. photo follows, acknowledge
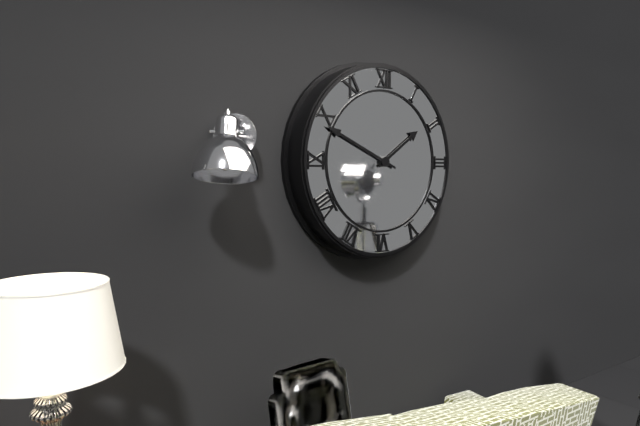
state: 1:49
